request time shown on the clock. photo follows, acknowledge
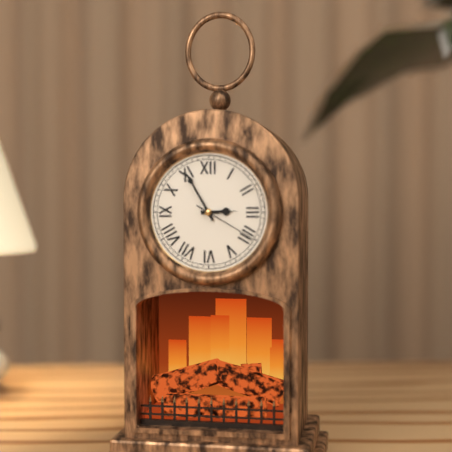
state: 2:55:20
